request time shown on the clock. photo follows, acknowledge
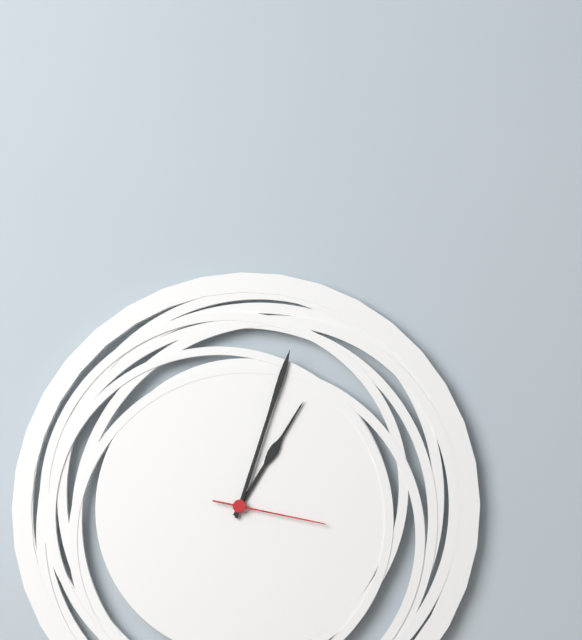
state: 1:03:17
